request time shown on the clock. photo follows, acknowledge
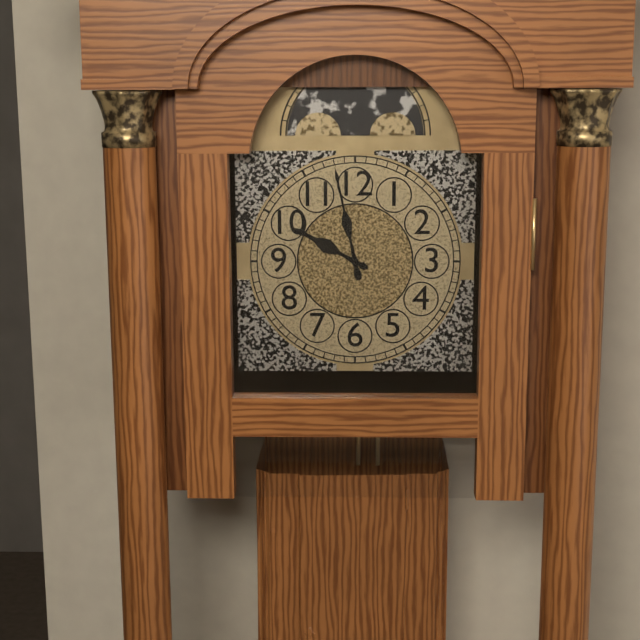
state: 9:58
